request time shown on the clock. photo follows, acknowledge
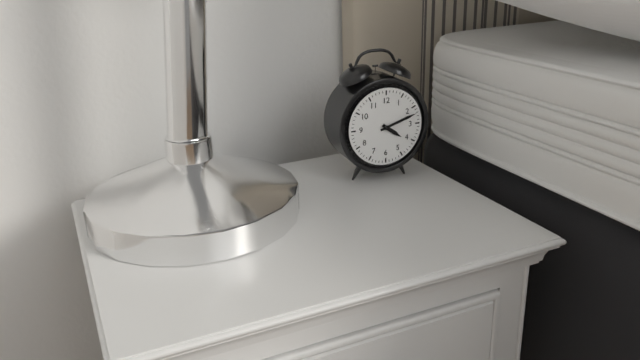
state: 4:12
